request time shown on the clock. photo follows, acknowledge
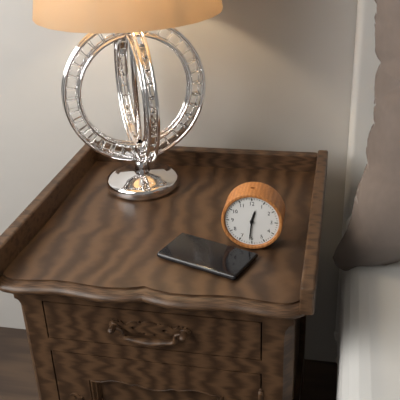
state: 12:31
